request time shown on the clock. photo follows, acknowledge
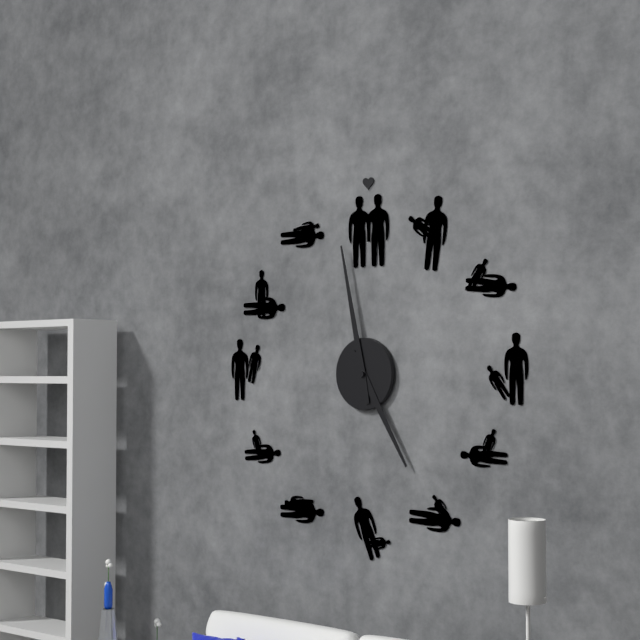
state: 4:58
